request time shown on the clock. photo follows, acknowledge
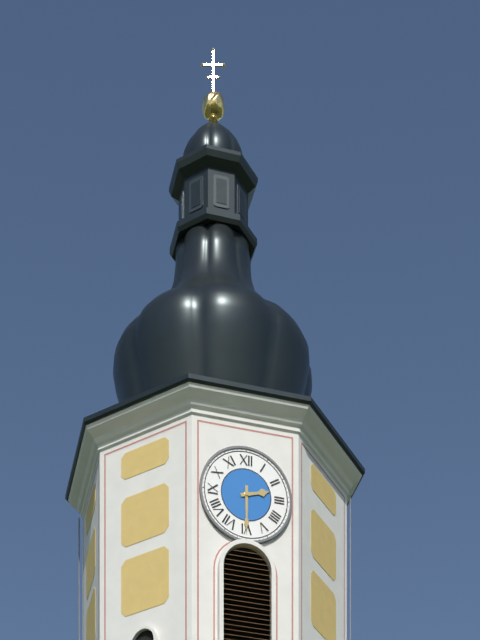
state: 2:30
